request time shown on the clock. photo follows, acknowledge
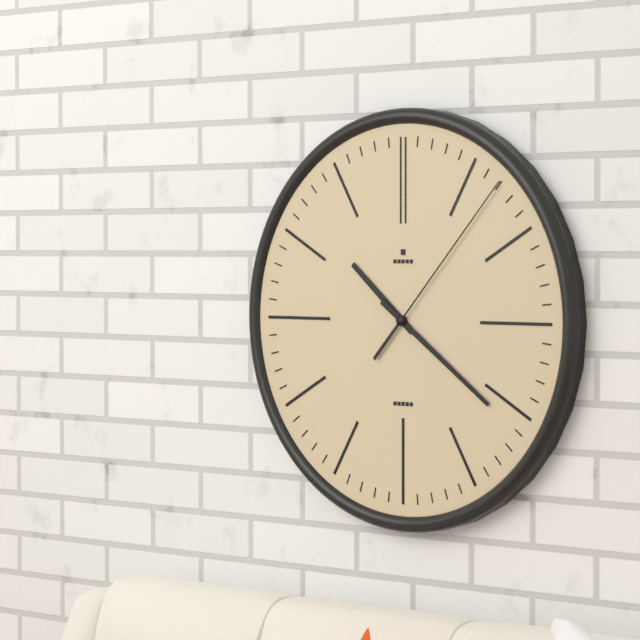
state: 10:21:07
